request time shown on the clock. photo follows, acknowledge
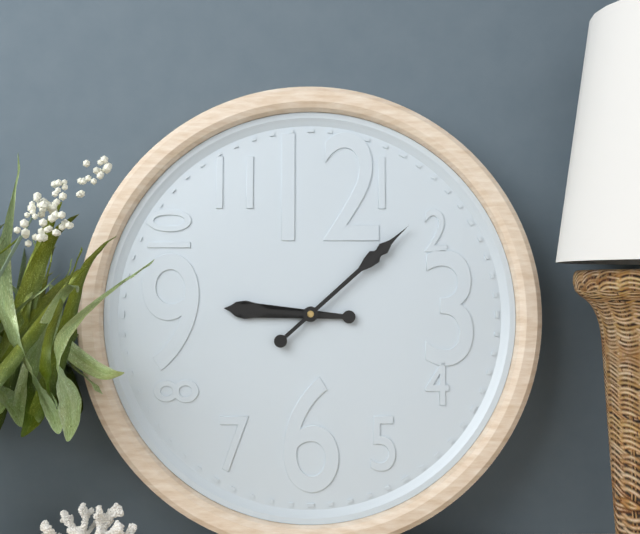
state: 9:08
